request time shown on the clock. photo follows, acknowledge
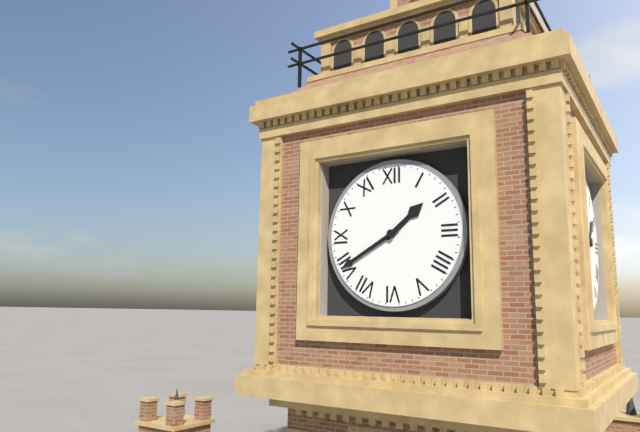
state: 1:40
